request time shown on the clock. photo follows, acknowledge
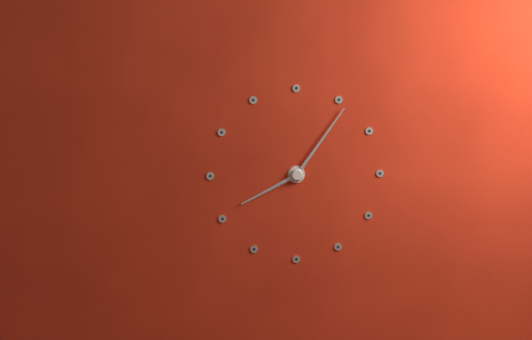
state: 8:06
